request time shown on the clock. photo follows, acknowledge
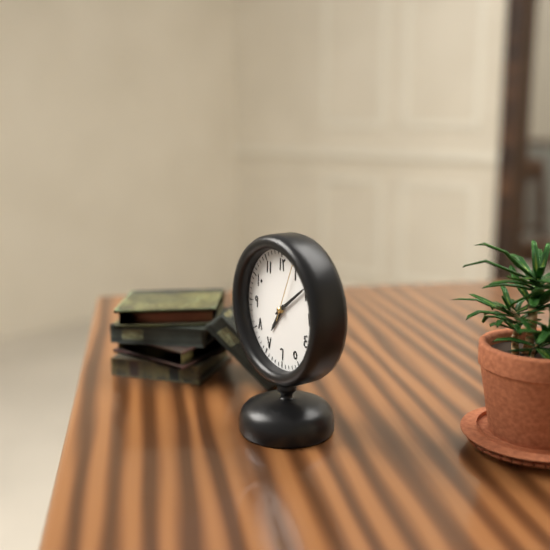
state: 7:09:04
